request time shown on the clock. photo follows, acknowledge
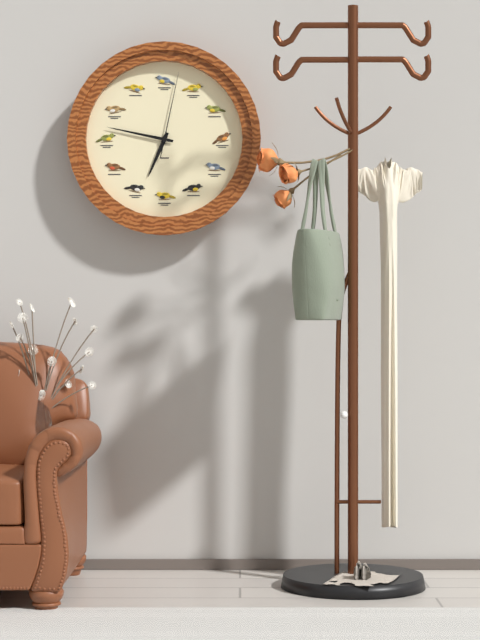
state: 6:47:02
